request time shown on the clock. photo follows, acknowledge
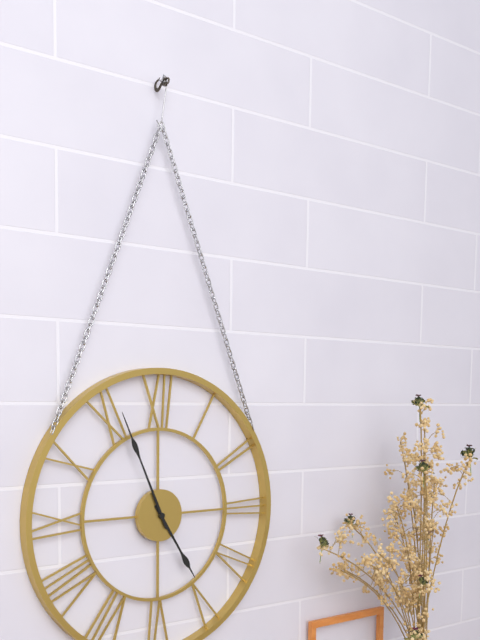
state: 4:56
